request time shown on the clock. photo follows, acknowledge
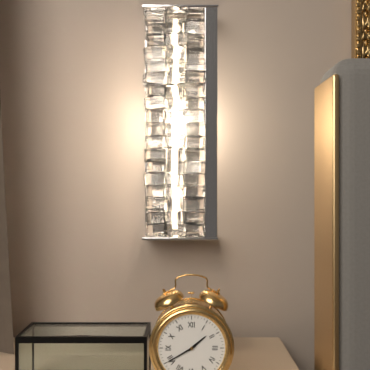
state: 1:40
